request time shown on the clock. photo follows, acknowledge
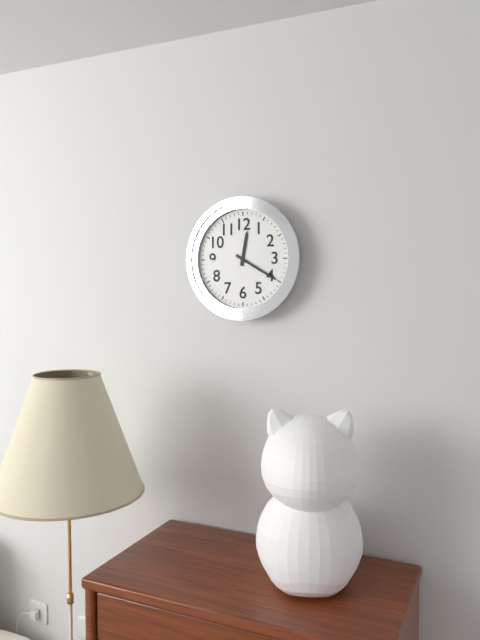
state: 12:20
